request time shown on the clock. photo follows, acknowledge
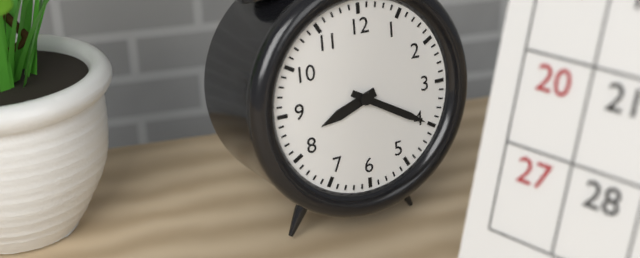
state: 8:20
